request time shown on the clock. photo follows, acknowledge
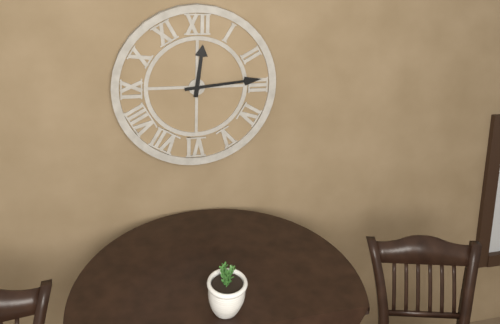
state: 12:14
